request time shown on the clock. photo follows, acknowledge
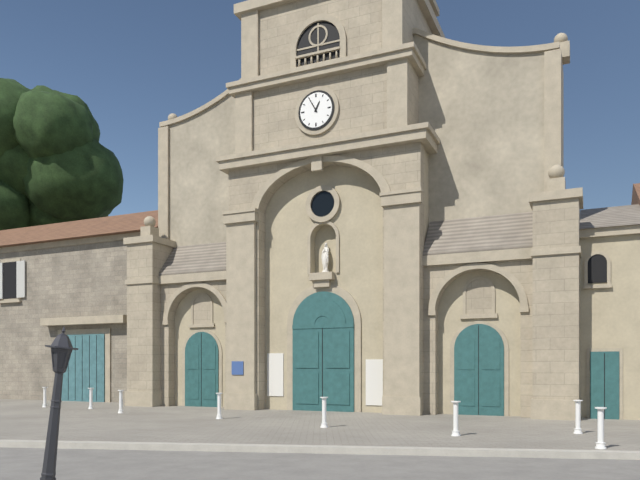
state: 12:55
